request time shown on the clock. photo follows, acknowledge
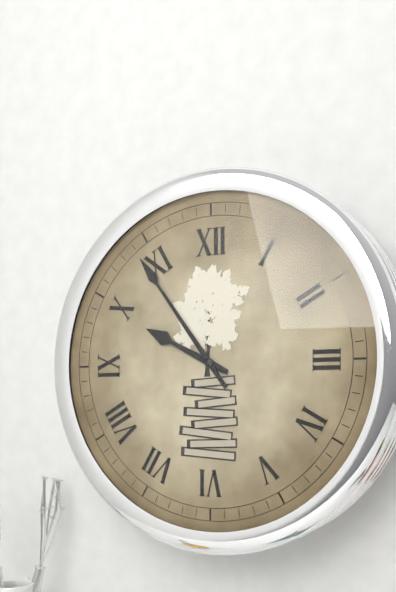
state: 9:54
